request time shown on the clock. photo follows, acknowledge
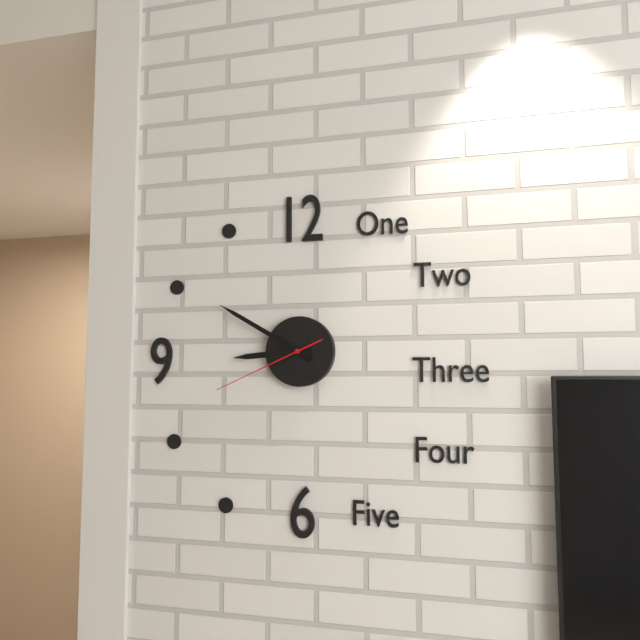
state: 8:50:41
